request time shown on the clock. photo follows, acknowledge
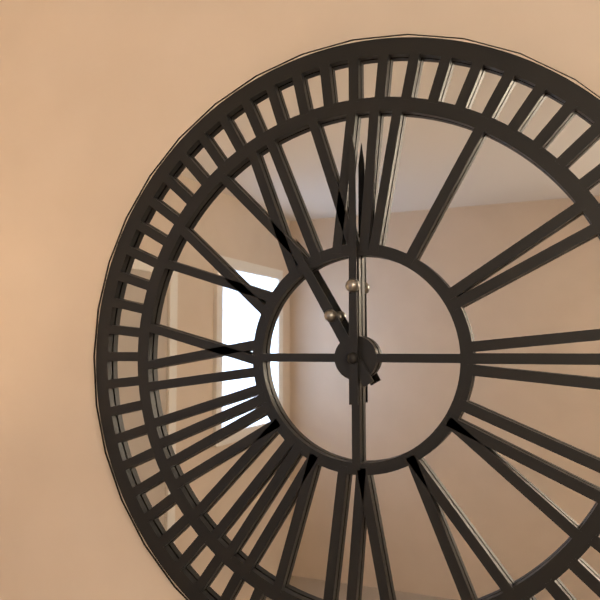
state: 11:00
